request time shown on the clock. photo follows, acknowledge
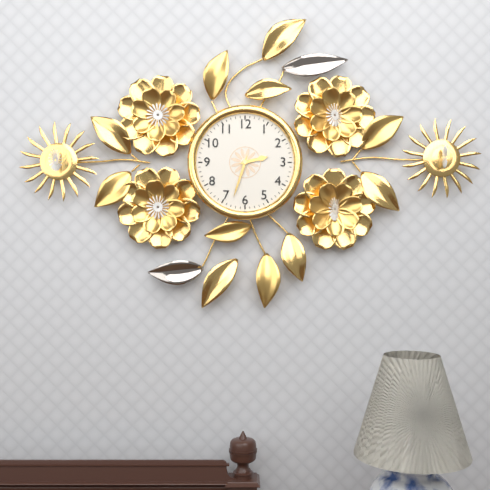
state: 2:33
